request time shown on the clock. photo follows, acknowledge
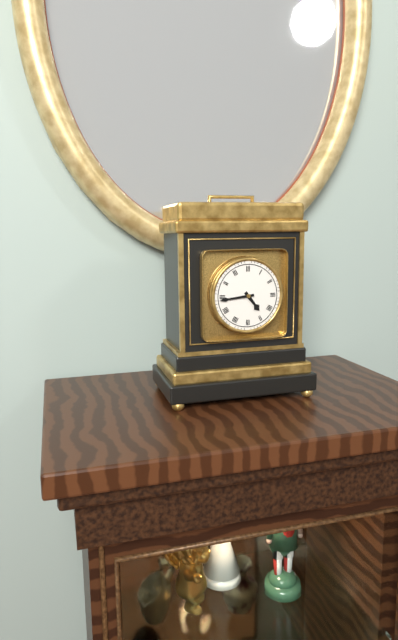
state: 4:44
